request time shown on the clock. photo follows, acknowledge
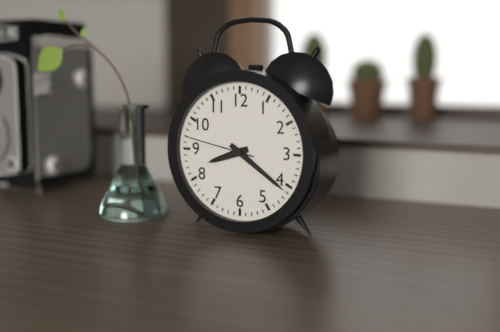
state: 8:21:47
